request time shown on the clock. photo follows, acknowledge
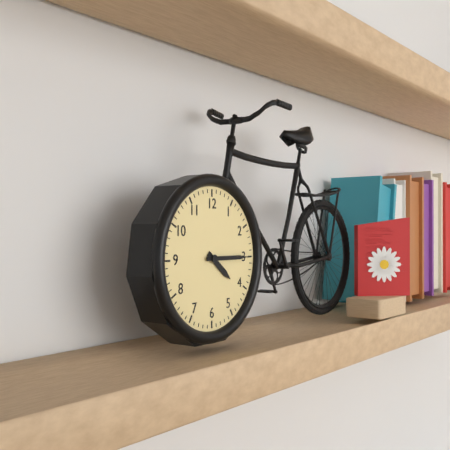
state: 4:15
